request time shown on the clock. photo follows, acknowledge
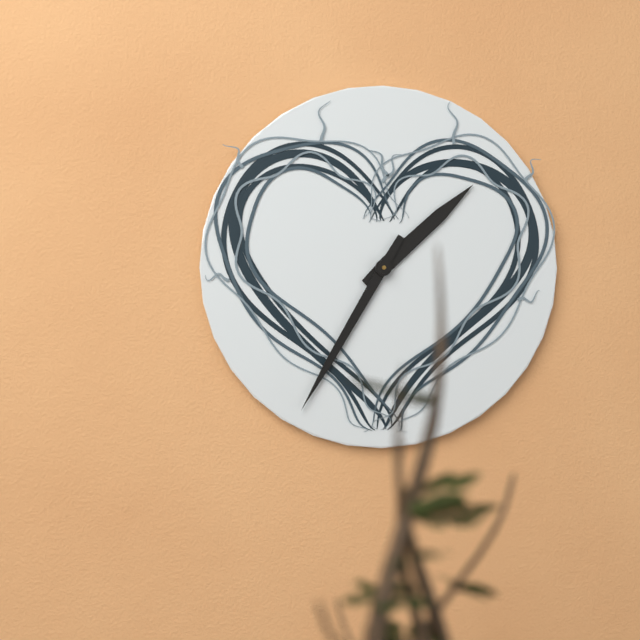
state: 1:35
